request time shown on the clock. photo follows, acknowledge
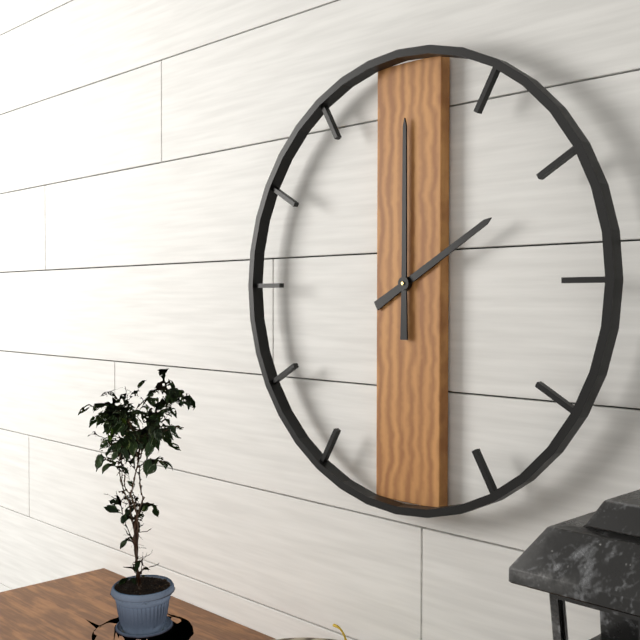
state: 2:00
